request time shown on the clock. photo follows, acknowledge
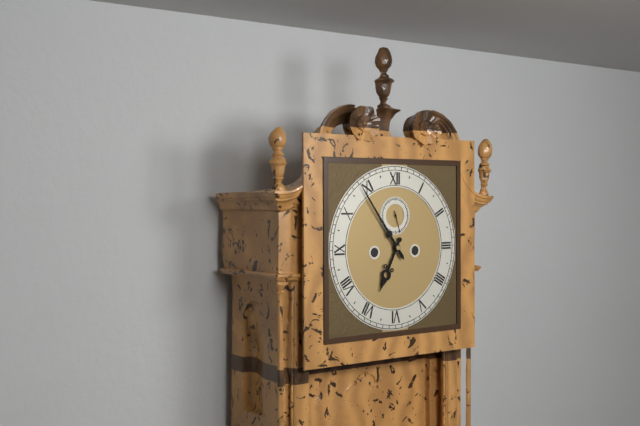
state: 6:54
